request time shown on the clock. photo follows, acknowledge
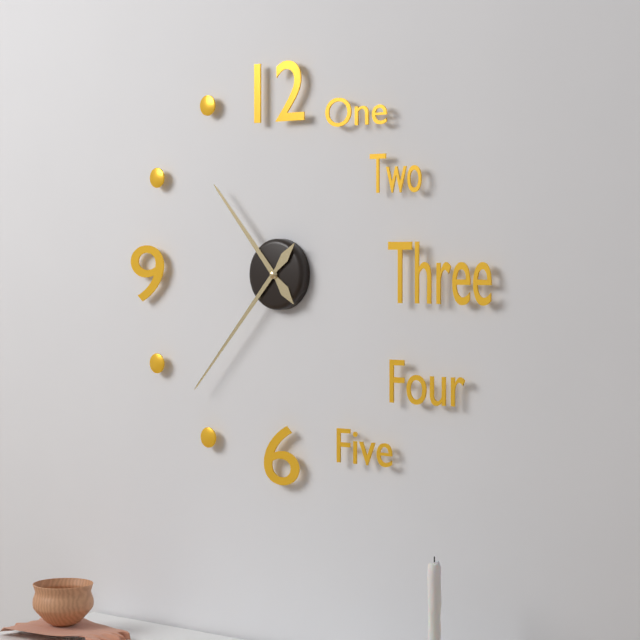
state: 10:37
